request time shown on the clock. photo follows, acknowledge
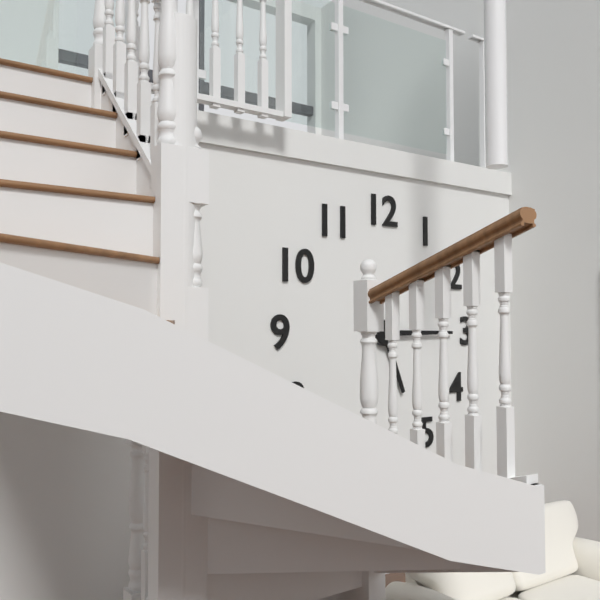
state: 5:15
